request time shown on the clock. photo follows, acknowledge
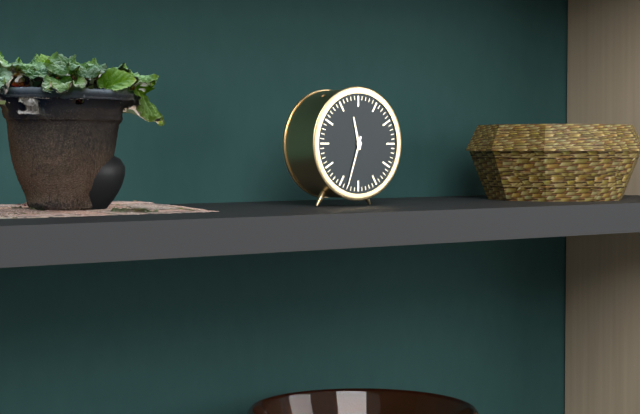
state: 11:33
